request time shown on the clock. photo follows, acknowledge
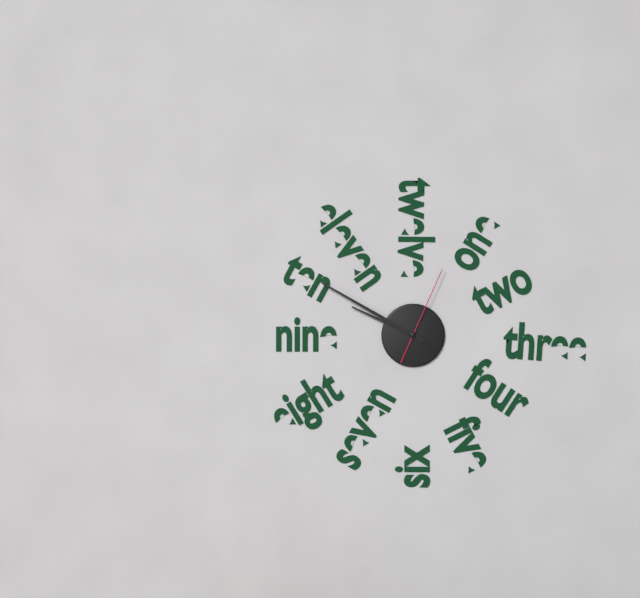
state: 9:50:04
